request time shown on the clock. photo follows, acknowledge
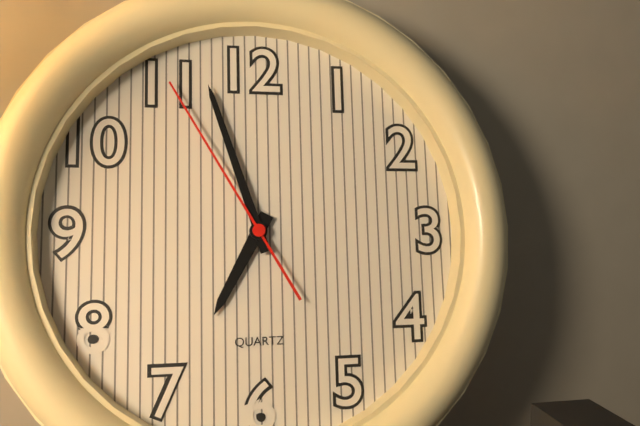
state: 6:57:55
